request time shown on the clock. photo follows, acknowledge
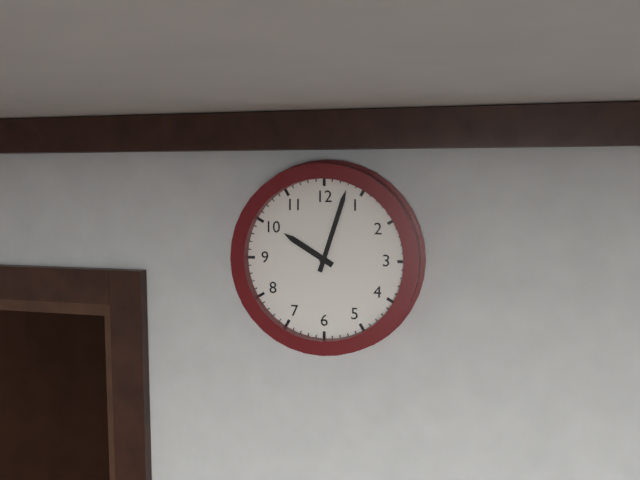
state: 10:03
